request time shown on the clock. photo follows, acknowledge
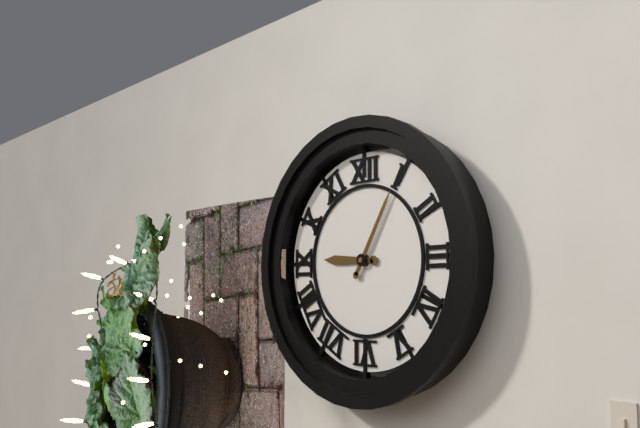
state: 9:05
